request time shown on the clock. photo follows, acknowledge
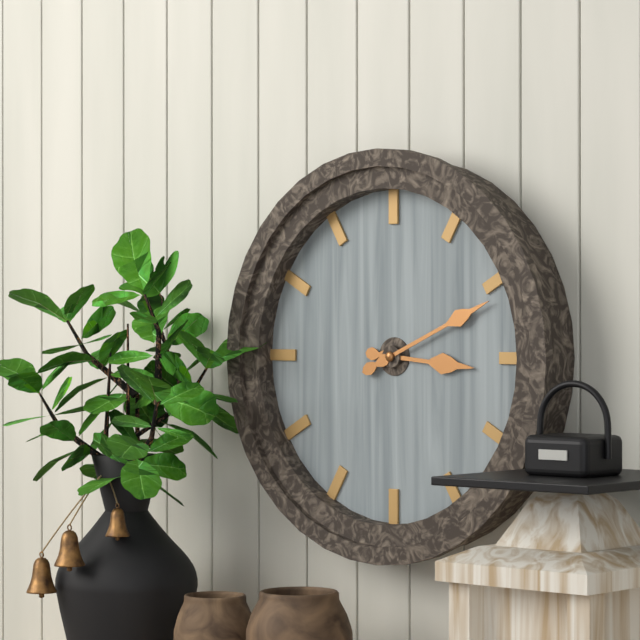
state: 3:11
